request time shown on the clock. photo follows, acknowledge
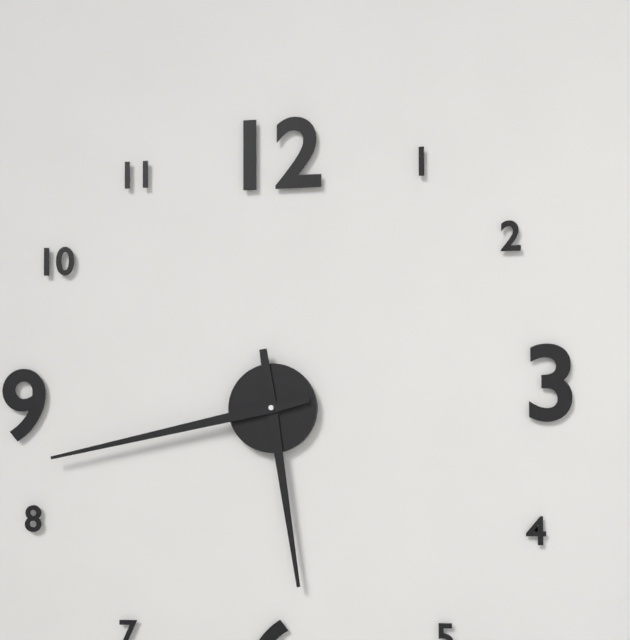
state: 5:43
